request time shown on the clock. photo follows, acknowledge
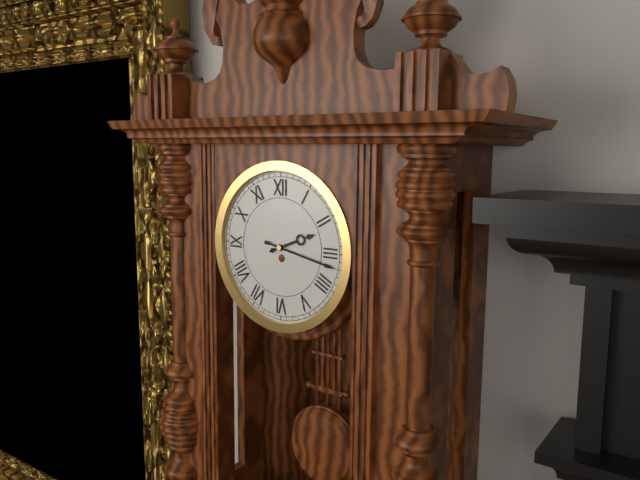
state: 2:17
